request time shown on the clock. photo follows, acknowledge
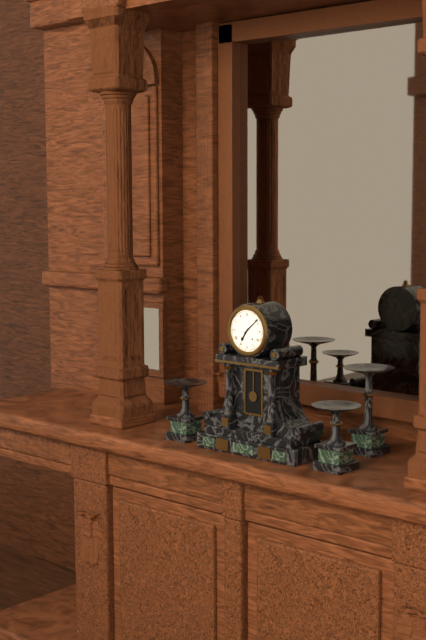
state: 7:08
